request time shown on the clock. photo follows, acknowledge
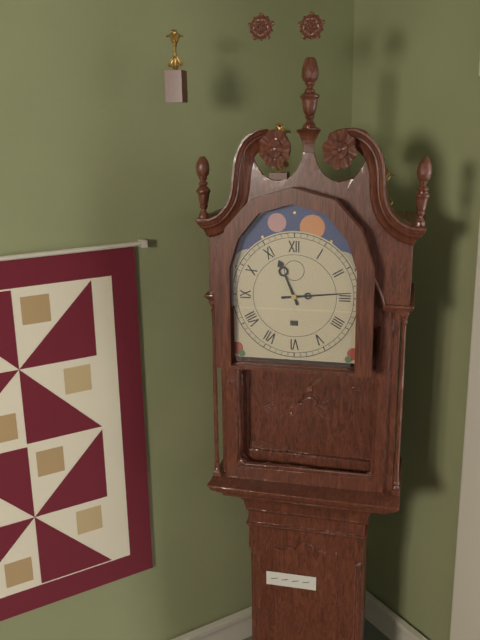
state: 11:14
